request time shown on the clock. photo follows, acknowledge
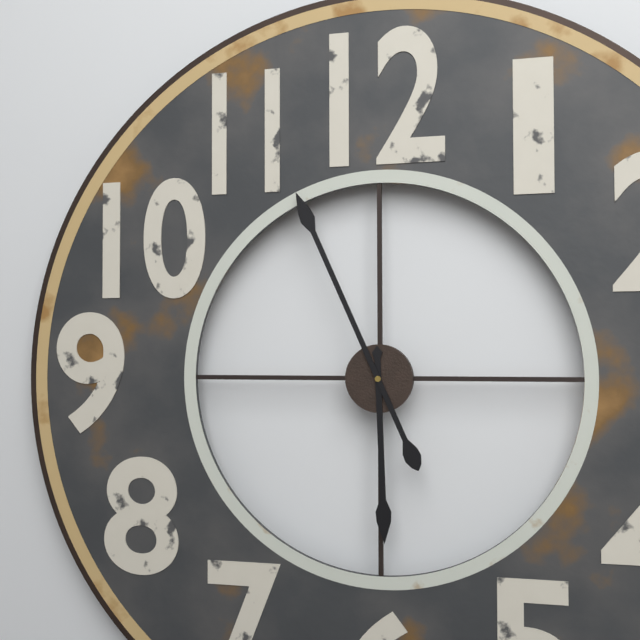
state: 5:56
